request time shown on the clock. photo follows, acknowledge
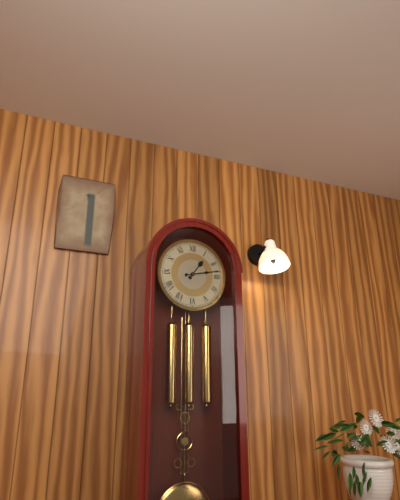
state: 1:13
